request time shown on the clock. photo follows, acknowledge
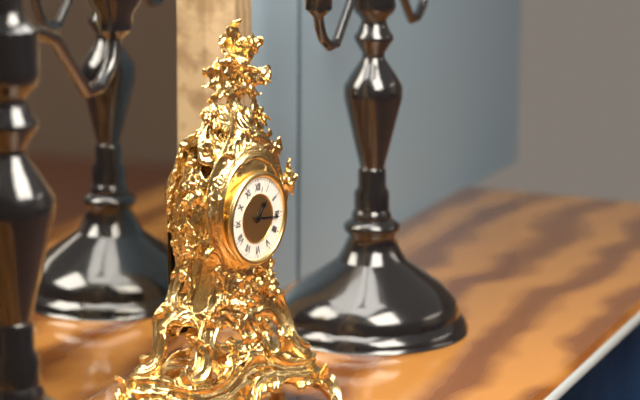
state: 1:16
